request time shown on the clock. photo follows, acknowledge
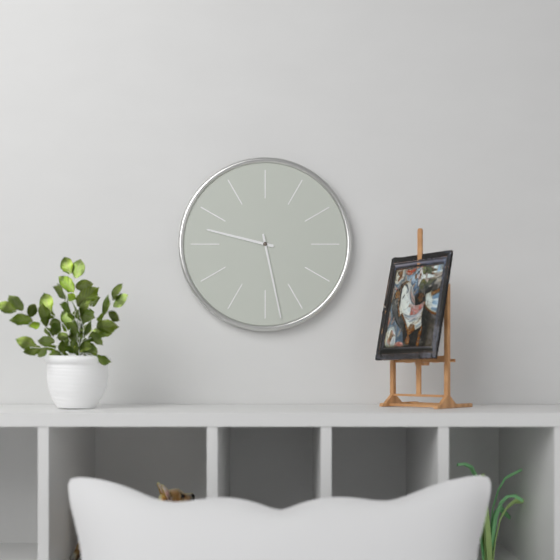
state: 9:28
